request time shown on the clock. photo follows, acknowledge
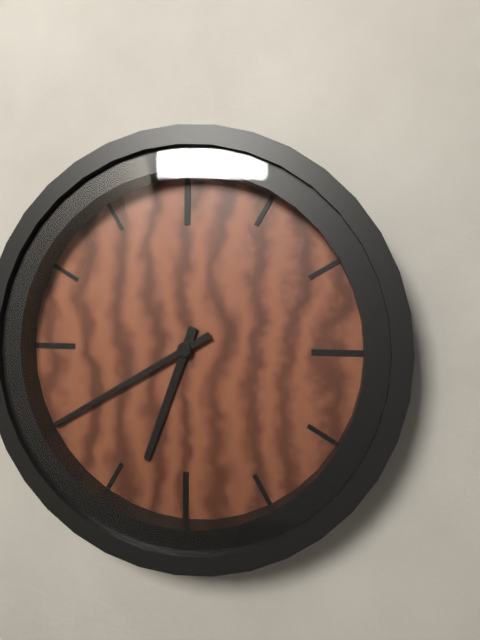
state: 6:40
